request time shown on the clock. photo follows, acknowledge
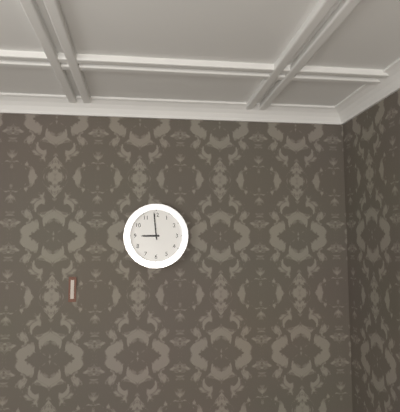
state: 8:59
